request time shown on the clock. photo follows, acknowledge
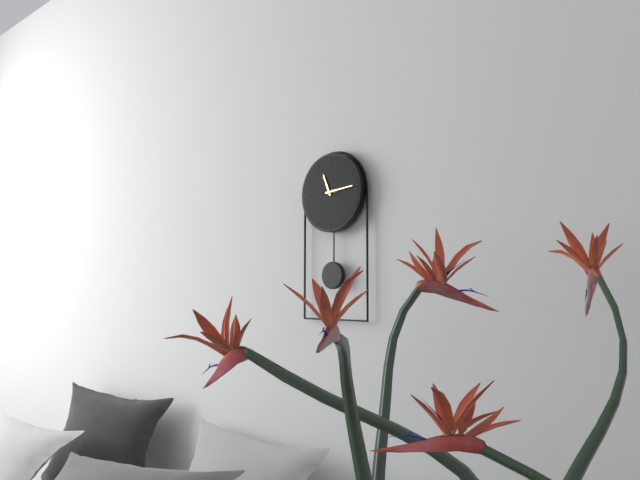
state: 11:14
